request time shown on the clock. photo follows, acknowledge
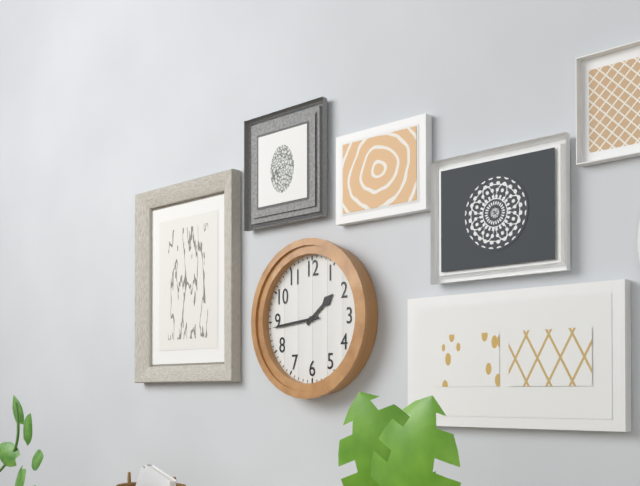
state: 1:44
